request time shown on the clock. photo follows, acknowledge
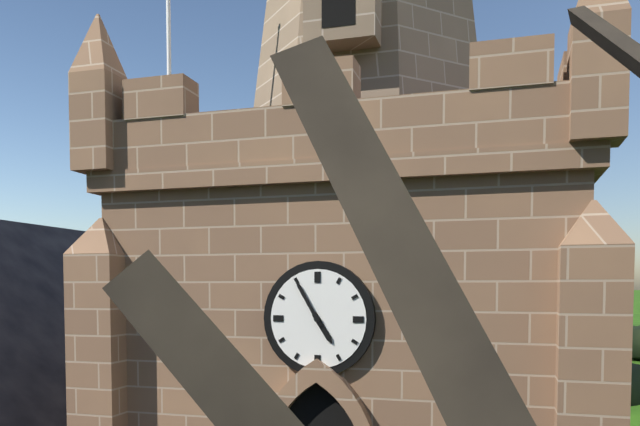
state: 4:55
